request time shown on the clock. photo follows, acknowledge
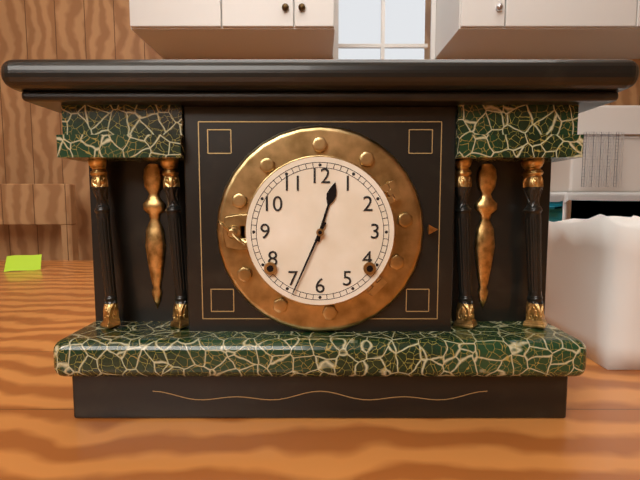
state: 12:34
